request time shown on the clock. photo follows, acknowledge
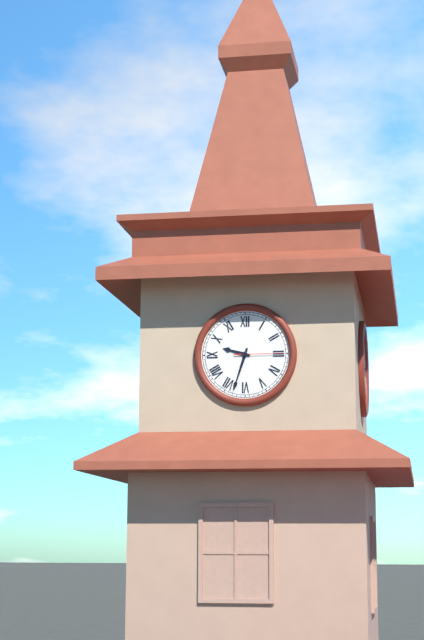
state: 9:33
